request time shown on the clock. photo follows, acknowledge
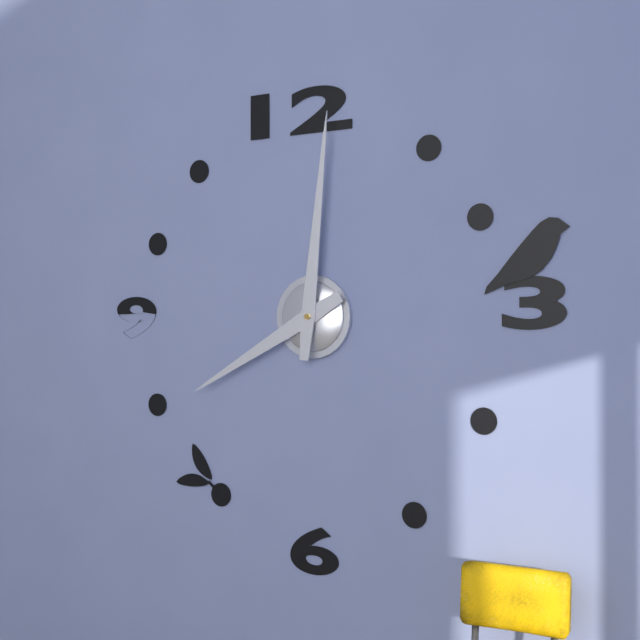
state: 8:01
